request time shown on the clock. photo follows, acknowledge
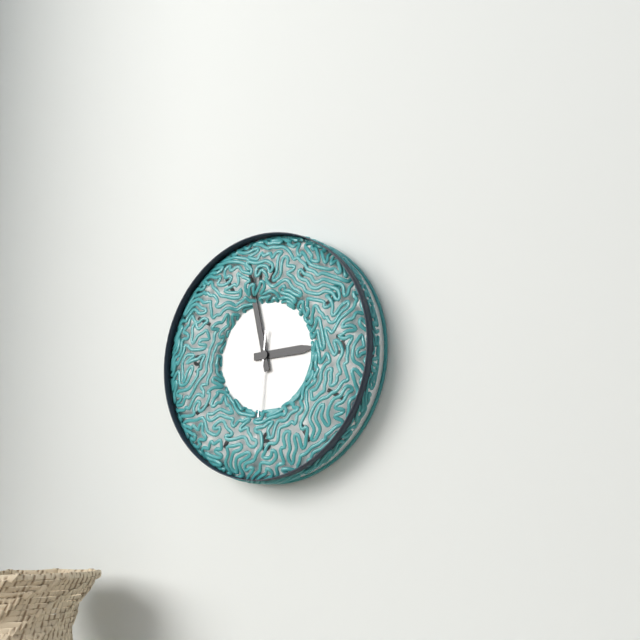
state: 2:58
